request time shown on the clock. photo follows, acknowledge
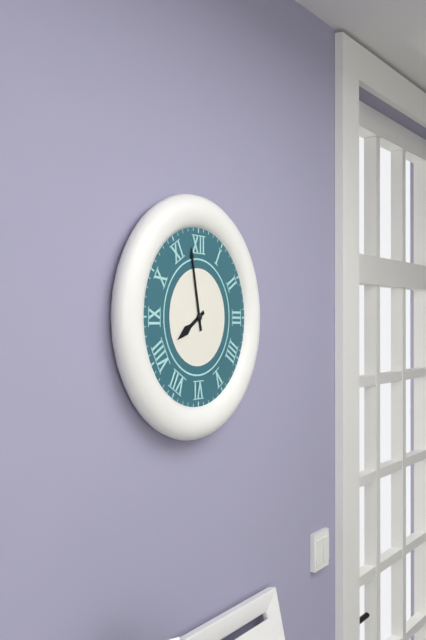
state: 7:58
